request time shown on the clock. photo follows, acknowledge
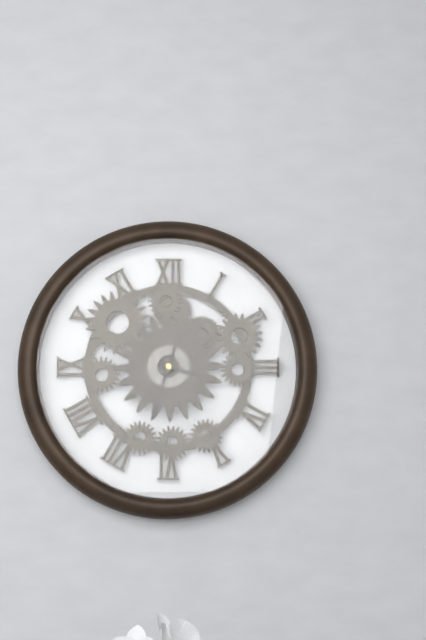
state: 3:33
